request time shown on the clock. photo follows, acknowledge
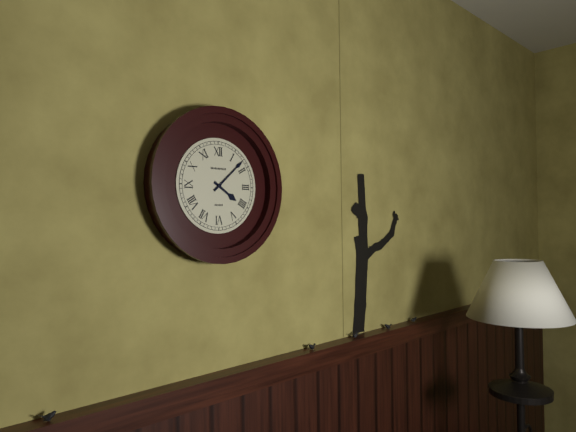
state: 4:08
